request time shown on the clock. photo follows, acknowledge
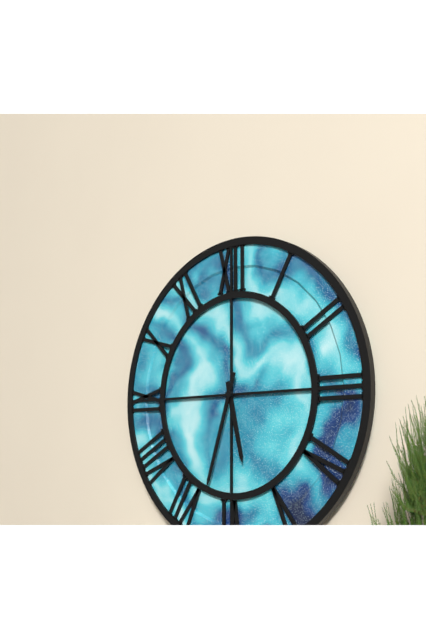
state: 5:33
